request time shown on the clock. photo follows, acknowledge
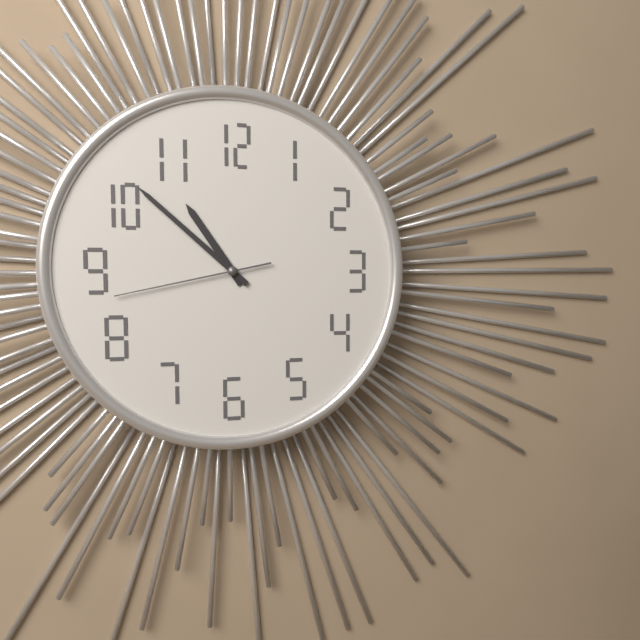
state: 10:52:43
